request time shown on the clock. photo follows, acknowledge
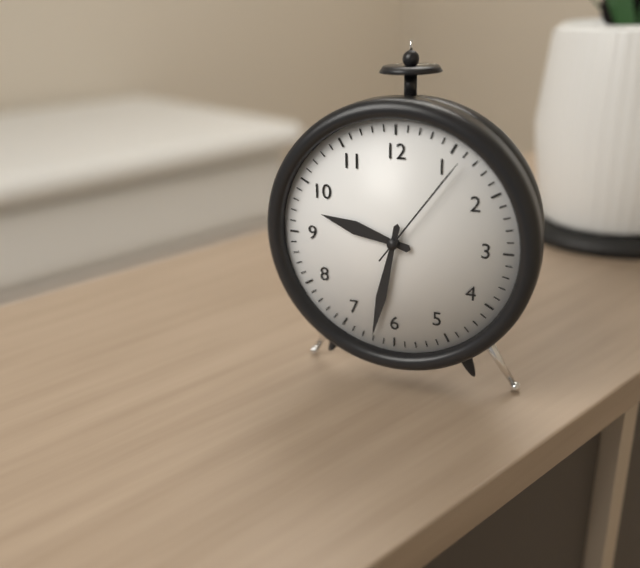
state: 9:32:06
